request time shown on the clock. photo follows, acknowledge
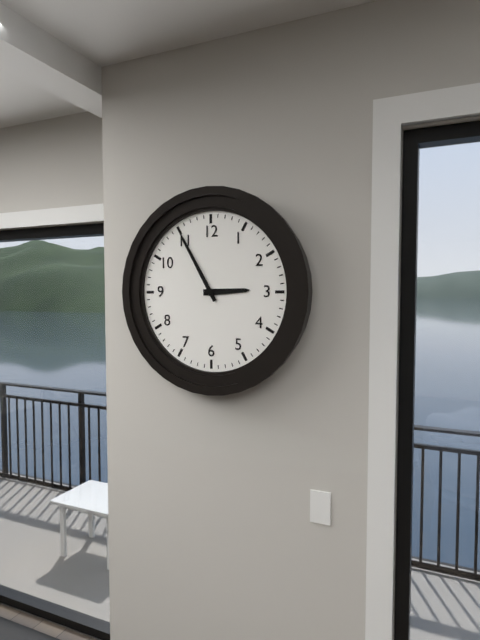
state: 2:55
